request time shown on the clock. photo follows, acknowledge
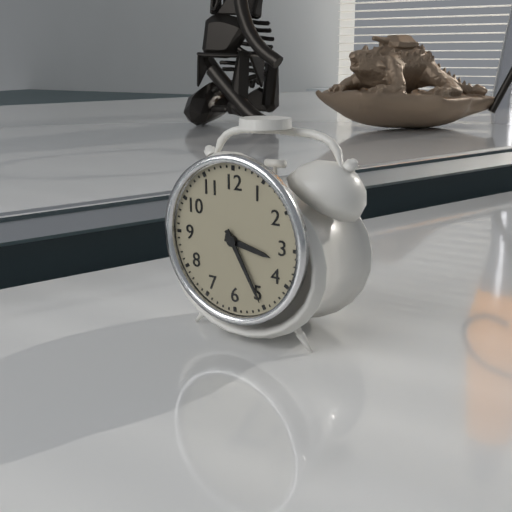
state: 3:25
